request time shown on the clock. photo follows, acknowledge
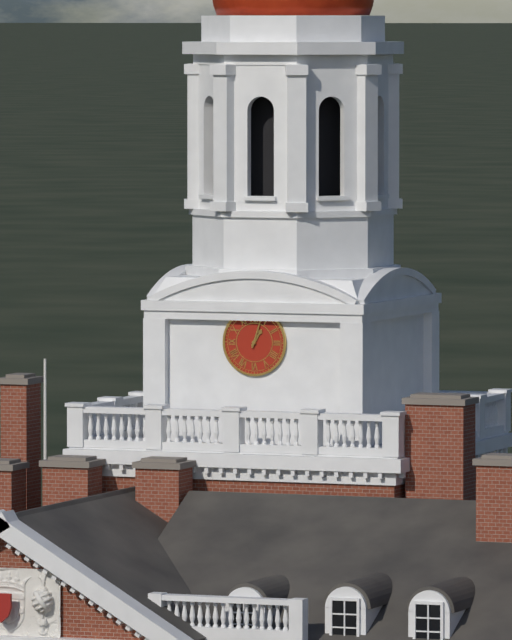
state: 1:03
